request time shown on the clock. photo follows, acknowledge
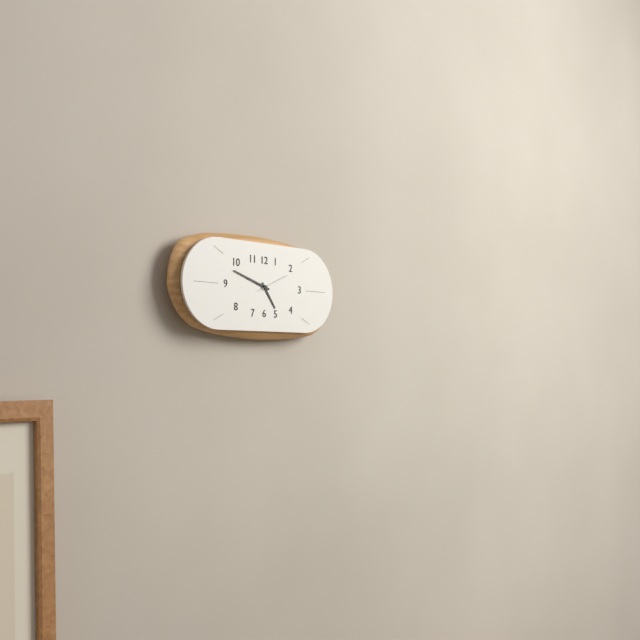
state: 4:48
